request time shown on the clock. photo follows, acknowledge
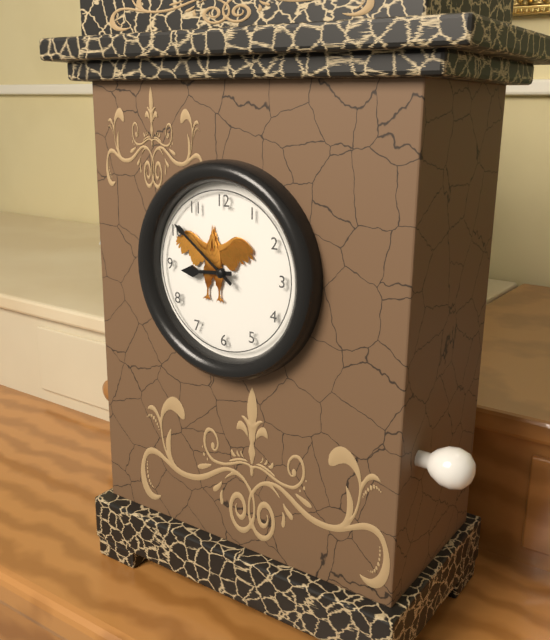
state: 8:51
